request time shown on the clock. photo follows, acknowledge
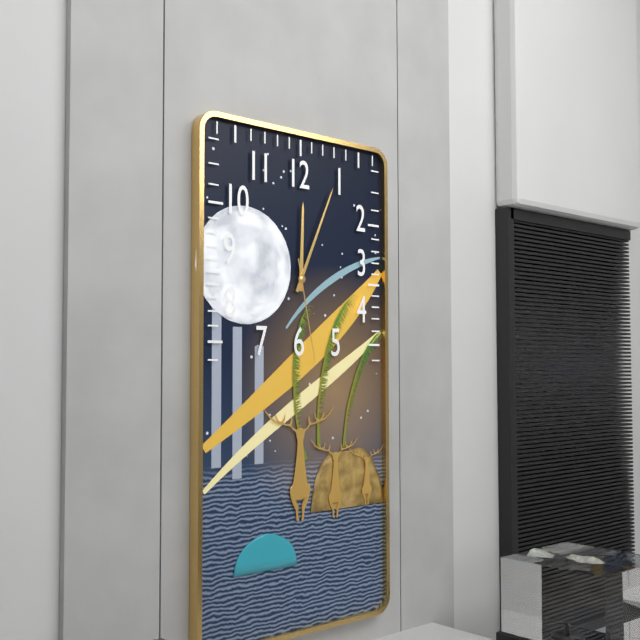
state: 12:04:28
